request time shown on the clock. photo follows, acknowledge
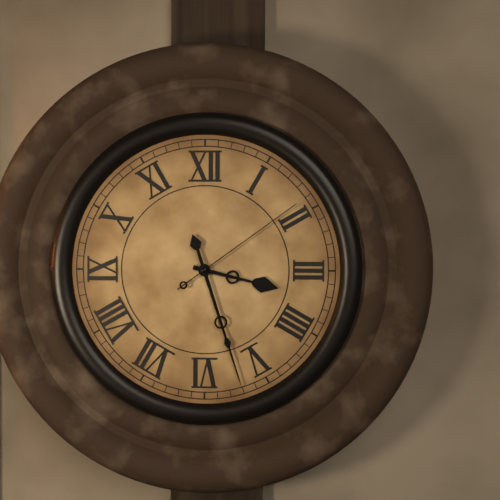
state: 3:27:09
